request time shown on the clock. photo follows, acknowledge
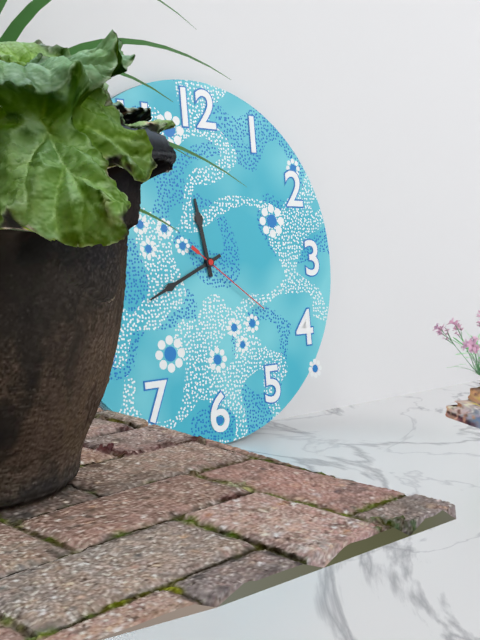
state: 11:41:21
